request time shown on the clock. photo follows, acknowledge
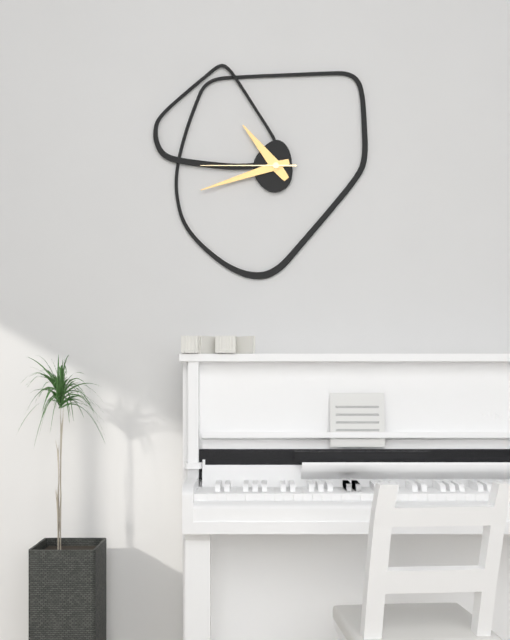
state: 10:42:45
